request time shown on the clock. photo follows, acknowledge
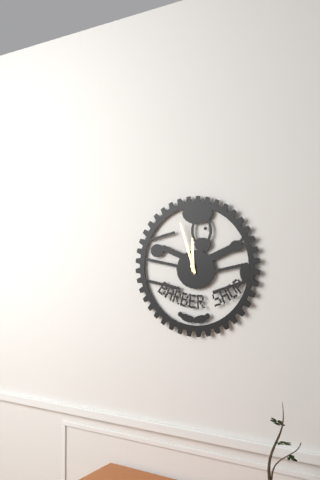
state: 11:57
